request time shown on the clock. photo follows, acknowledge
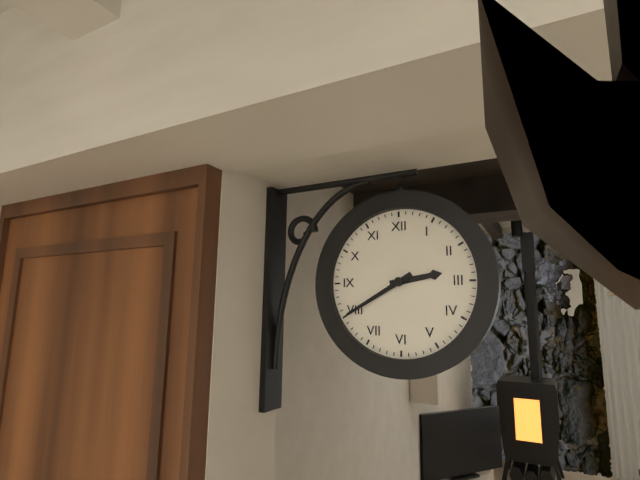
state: 2:40
